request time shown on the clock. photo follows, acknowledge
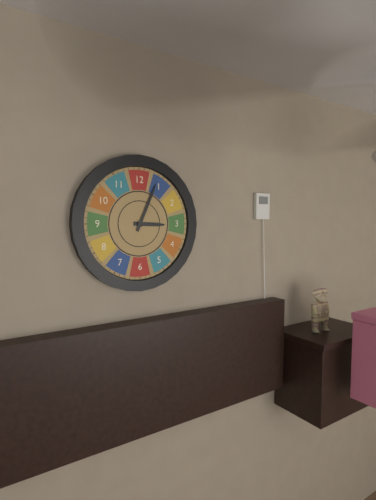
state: 3:04
